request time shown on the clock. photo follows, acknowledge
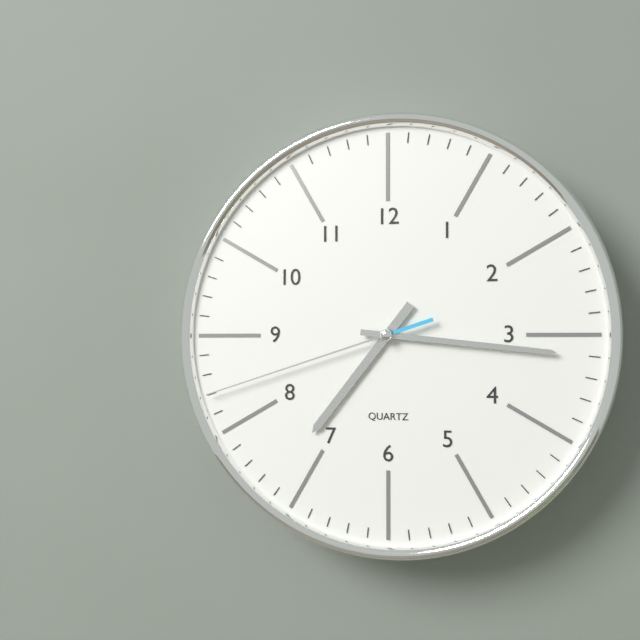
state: 7:16:42
